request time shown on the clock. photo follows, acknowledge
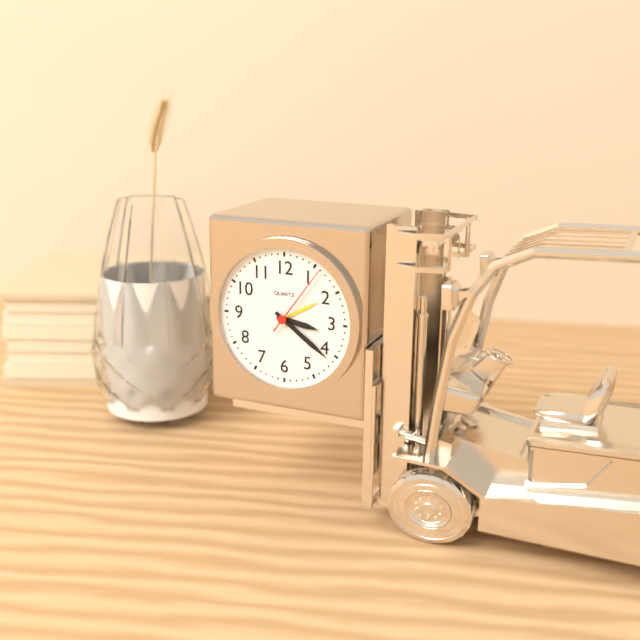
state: 3:21:06
